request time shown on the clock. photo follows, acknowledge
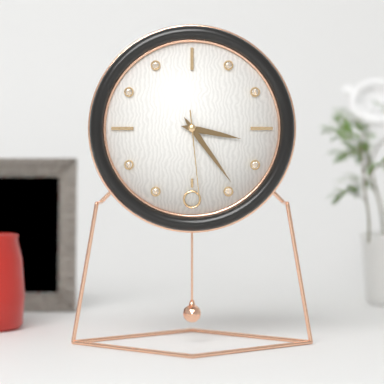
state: 3:24:29
